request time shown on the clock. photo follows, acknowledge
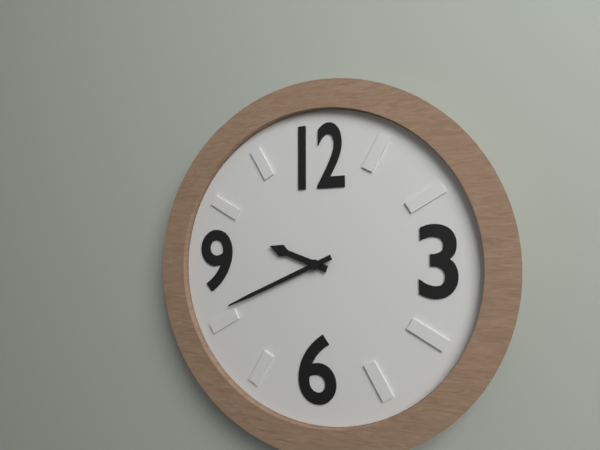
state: 9:41
